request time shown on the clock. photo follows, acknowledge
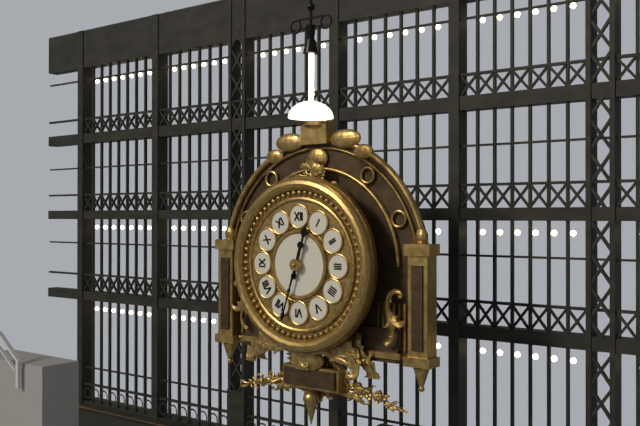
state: 12:33
